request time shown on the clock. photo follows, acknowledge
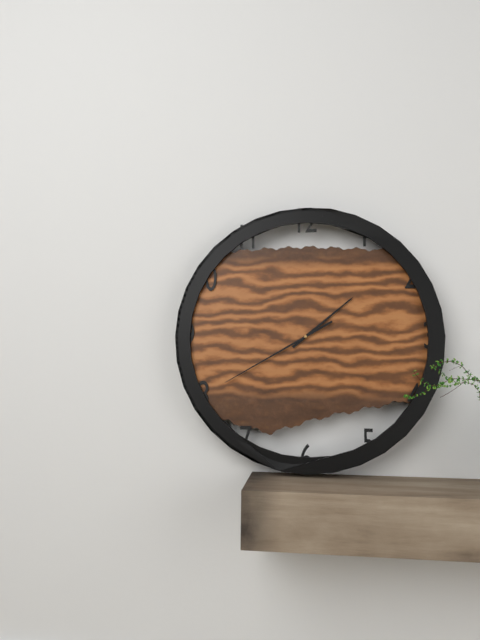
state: 1:40
